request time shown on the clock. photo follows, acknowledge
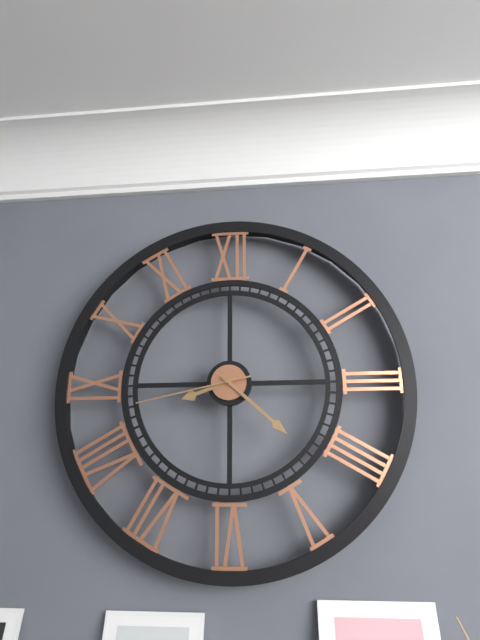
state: 8:22:43
